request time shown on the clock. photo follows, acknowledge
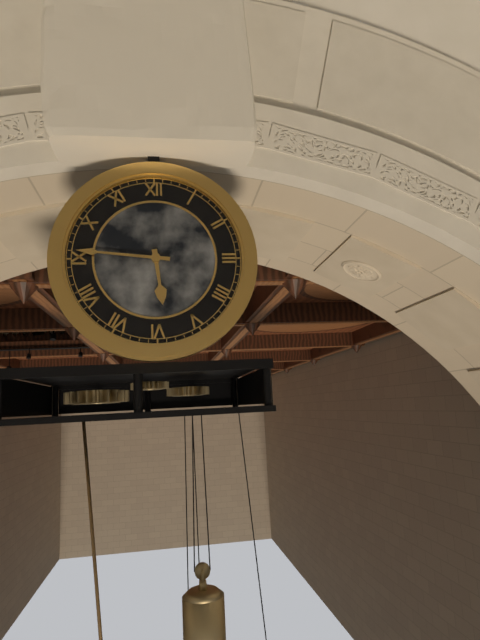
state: 5:46
